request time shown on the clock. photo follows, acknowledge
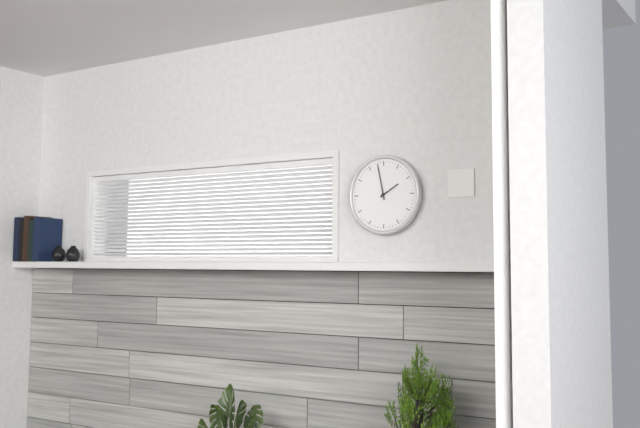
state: 1:58
